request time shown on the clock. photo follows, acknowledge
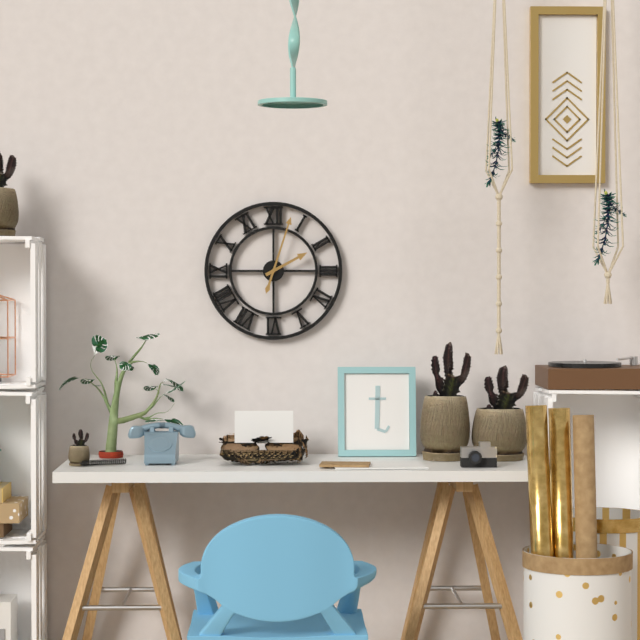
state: 2:03
